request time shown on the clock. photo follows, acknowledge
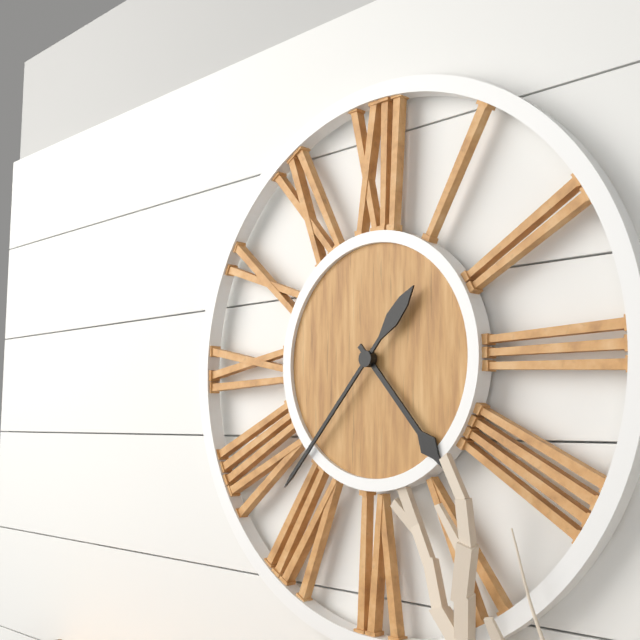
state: 4:37
